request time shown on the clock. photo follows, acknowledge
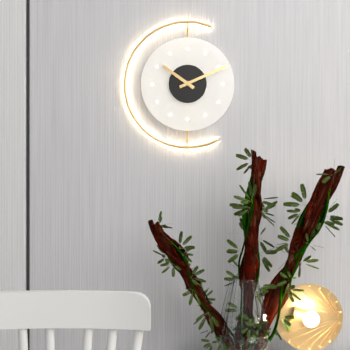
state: 10:11
